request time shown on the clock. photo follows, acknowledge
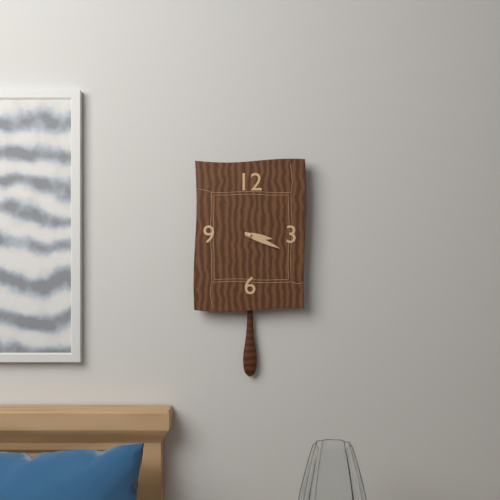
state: 3:19
